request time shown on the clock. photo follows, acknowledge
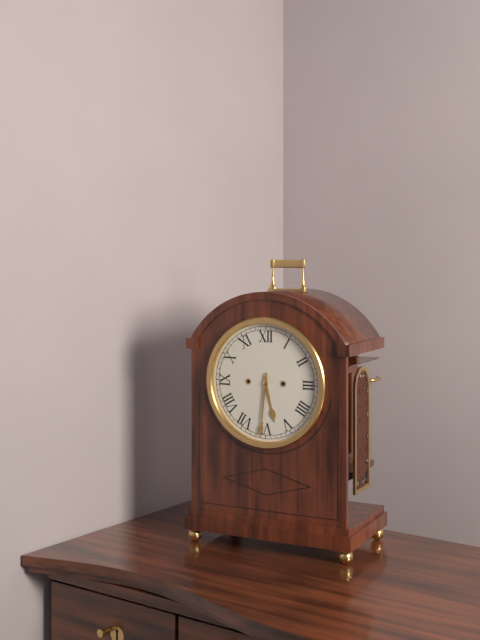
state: 5:31
